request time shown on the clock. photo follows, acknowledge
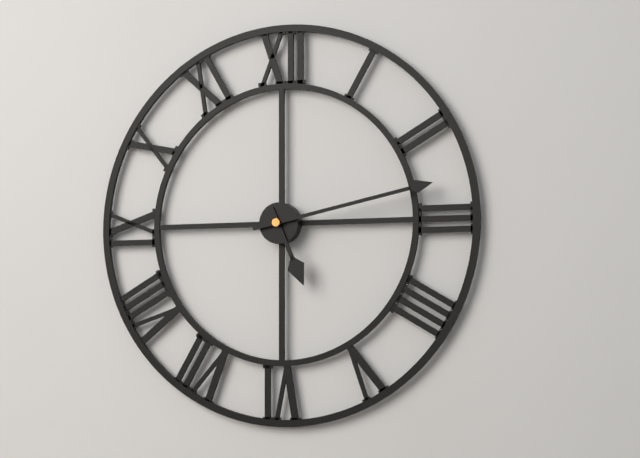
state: 5:13
